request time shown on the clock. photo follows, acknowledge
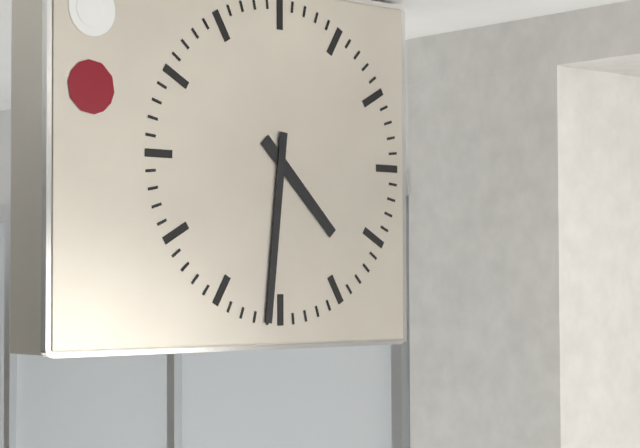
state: 4:31
